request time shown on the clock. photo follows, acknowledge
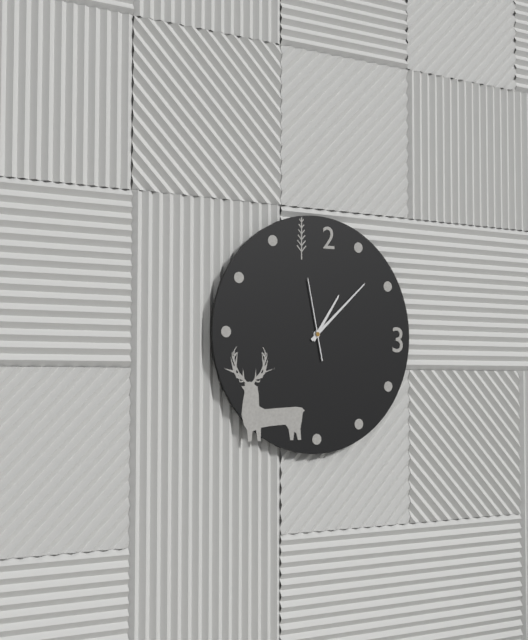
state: 1:08:58
